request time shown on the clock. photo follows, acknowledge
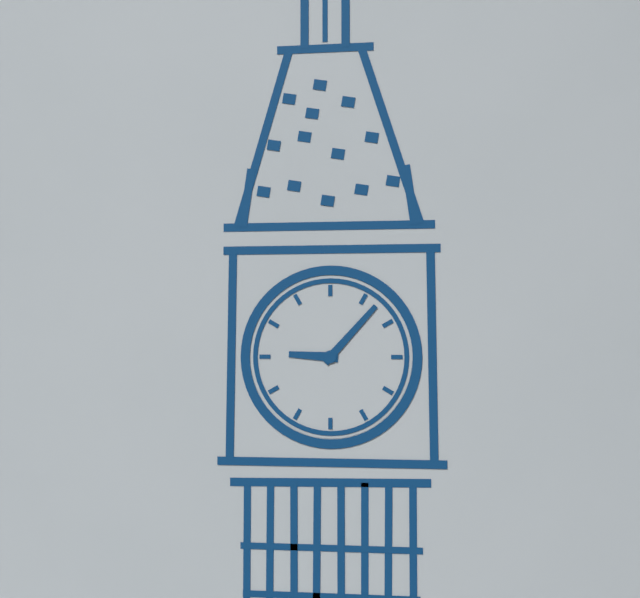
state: 9:07
